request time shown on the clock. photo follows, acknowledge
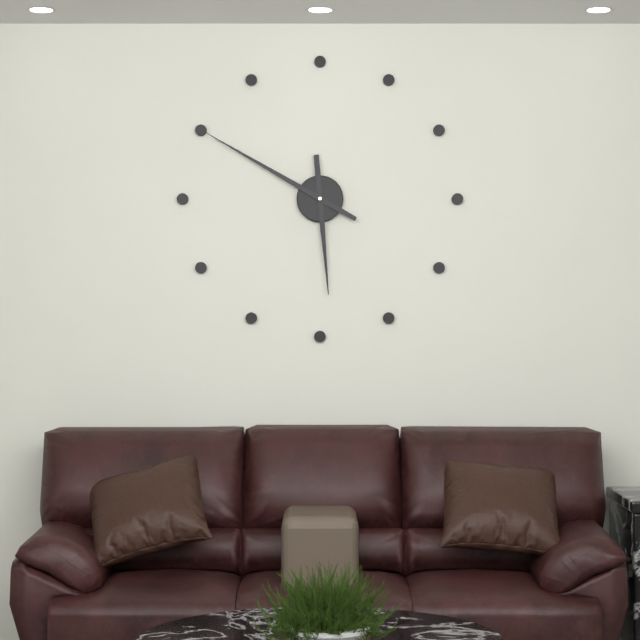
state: 5:50
